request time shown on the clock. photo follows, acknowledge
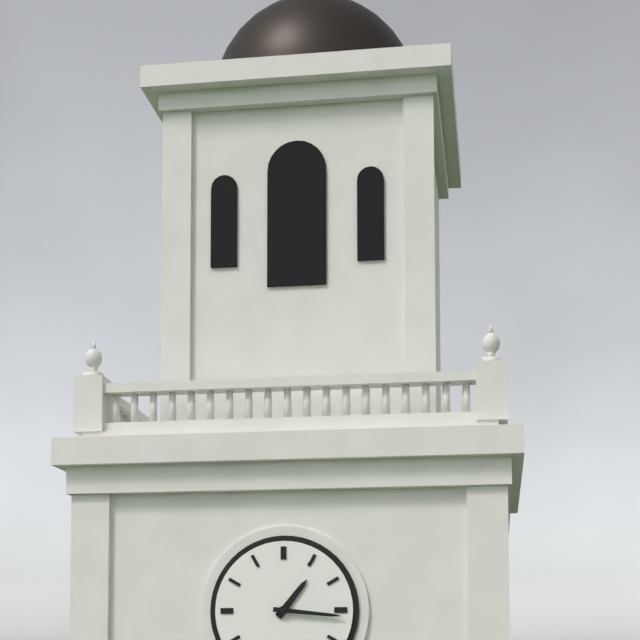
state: 1:16
